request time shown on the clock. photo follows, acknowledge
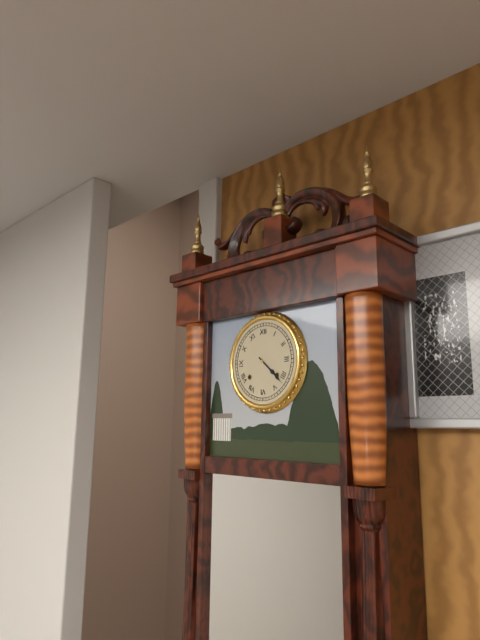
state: 4:22
